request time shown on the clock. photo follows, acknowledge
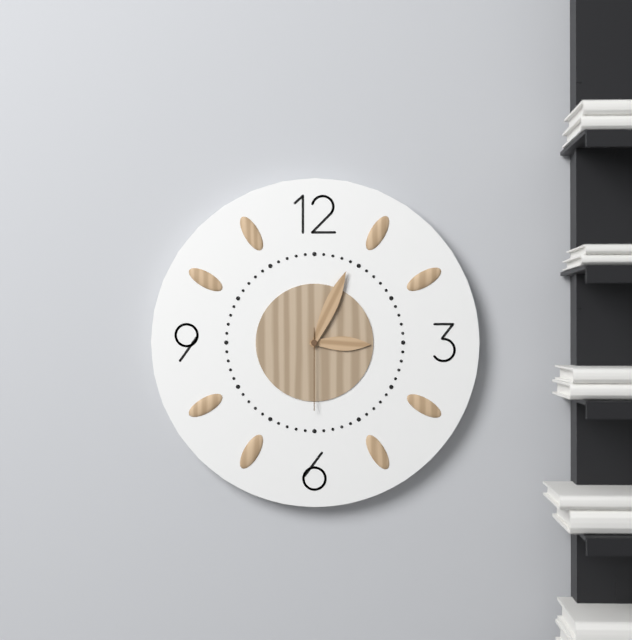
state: 3:04:30
